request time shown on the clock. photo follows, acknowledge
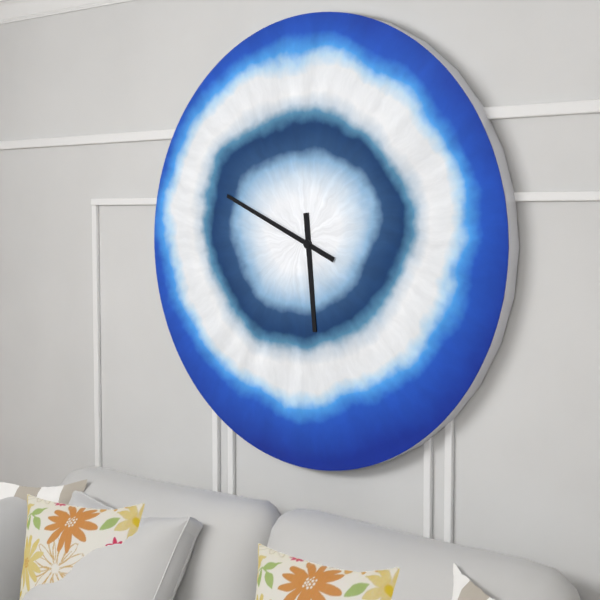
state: 5:49
